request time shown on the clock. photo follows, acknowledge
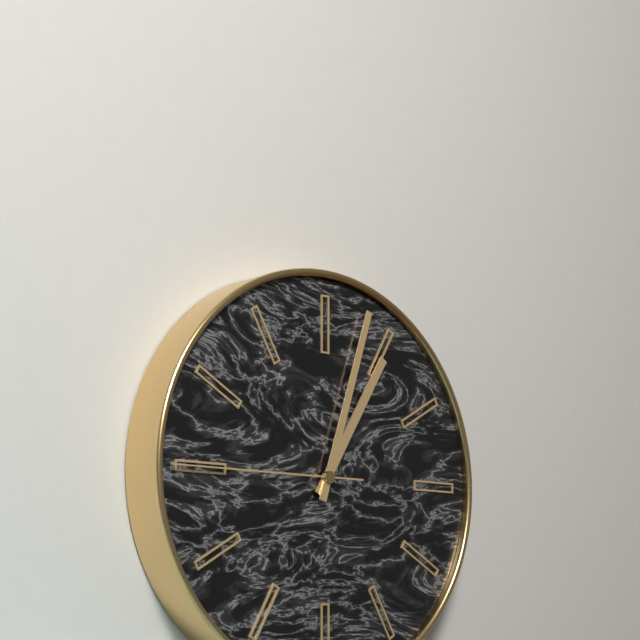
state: 1:03:45
